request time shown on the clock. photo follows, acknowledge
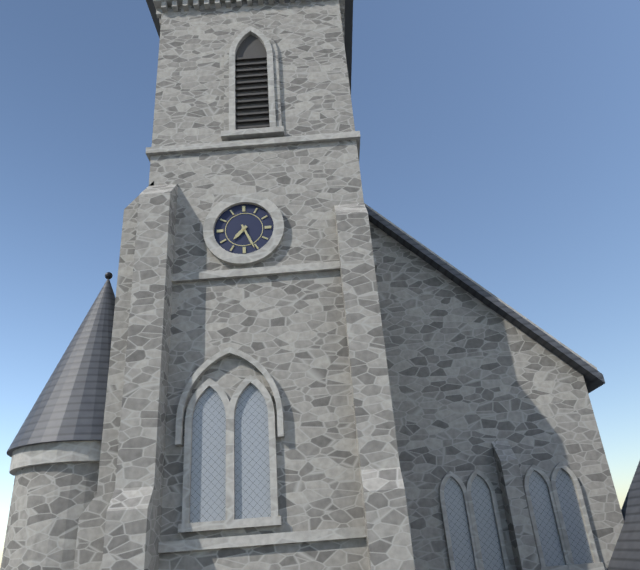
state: 7:26
